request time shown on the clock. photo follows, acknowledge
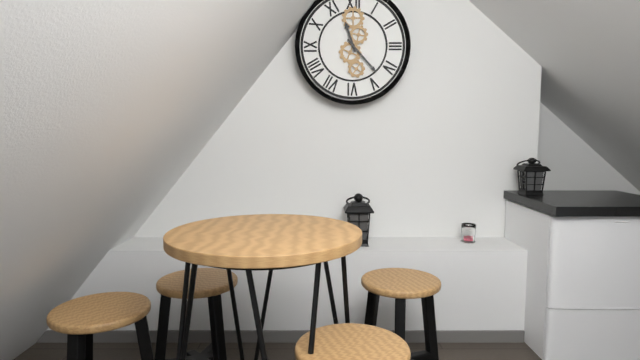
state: 11:23
